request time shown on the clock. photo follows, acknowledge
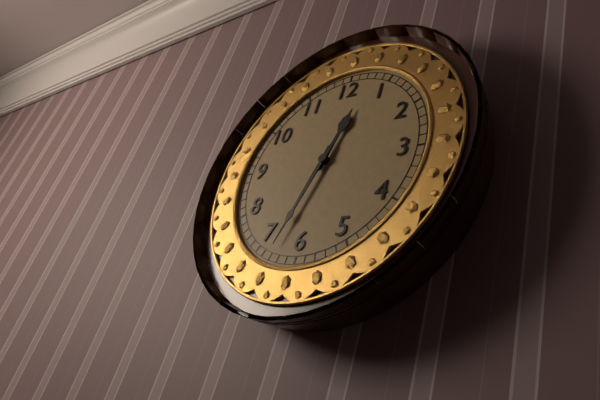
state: 12:33
